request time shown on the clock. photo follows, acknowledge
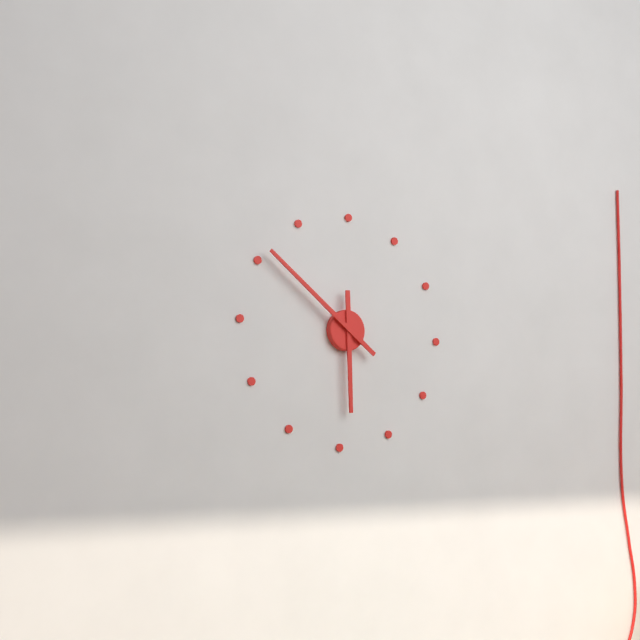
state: 5:51
